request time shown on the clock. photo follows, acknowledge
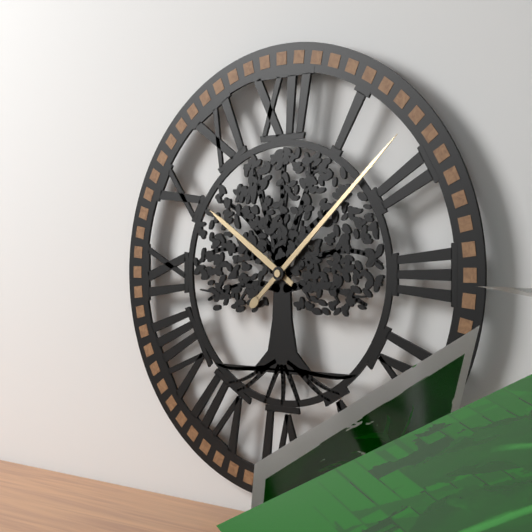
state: 10:08
